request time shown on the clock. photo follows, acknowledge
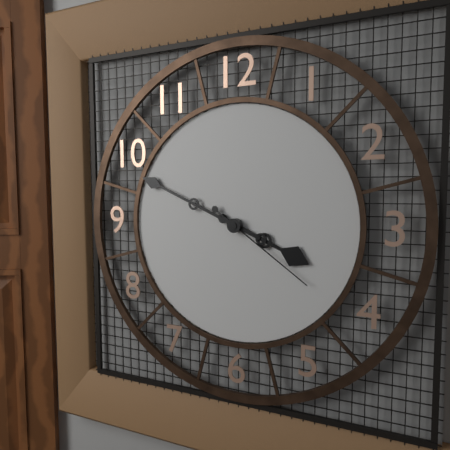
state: 3:49:21
